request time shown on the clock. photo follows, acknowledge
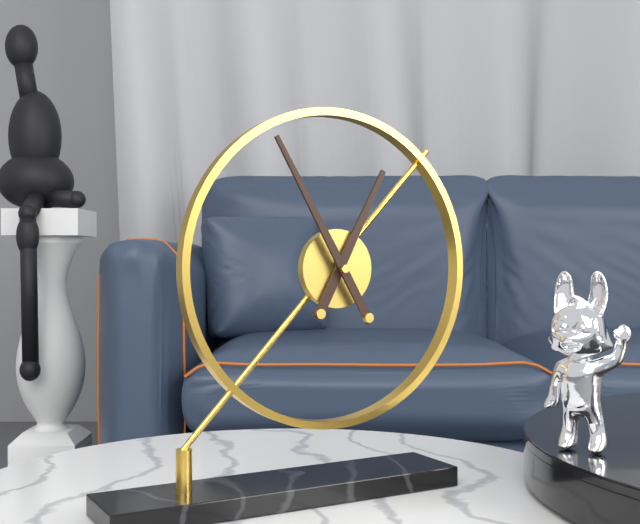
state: 12:55
